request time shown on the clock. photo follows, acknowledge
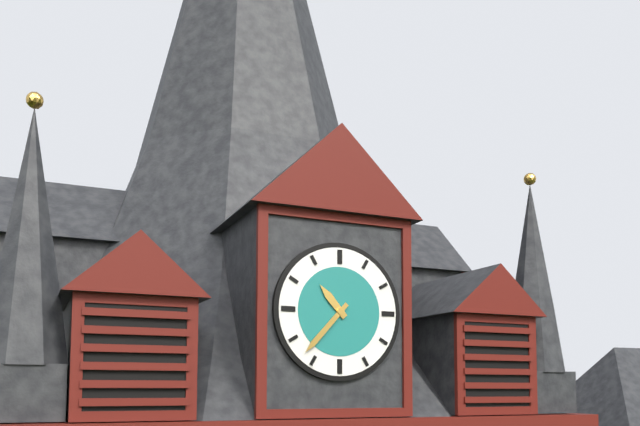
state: 10:37
